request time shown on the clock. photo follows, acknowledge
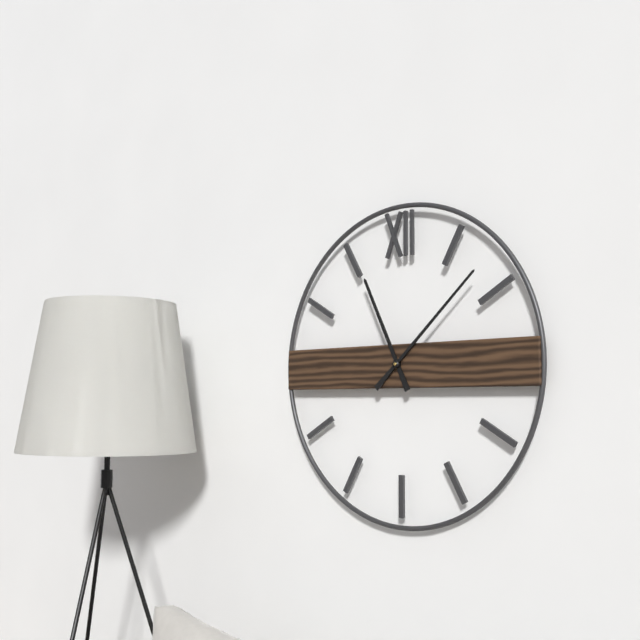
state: 11:08
